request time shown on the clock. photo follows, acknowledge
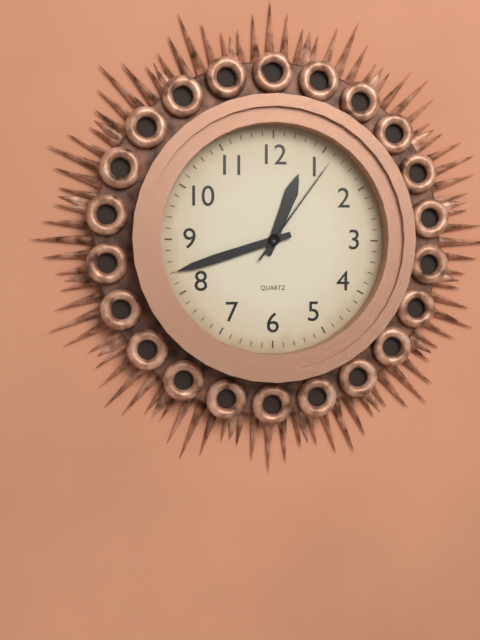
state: 12:42:06
